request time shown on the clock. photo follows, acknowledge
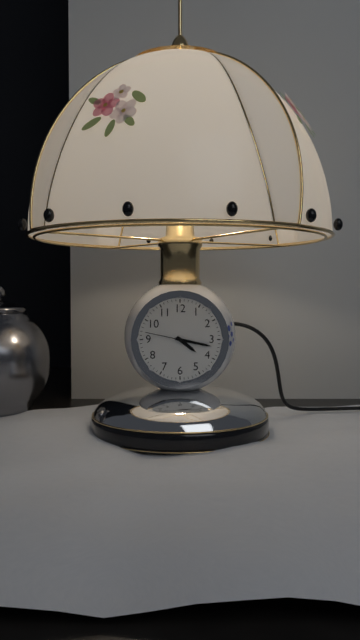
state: 4:17
